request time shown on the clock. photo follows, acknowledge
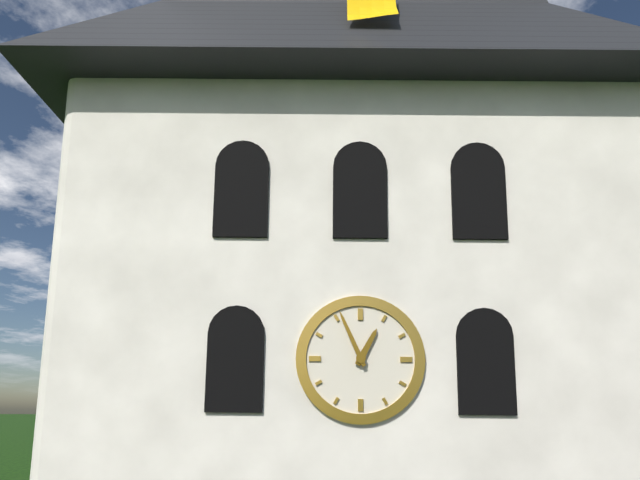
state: 12:56
